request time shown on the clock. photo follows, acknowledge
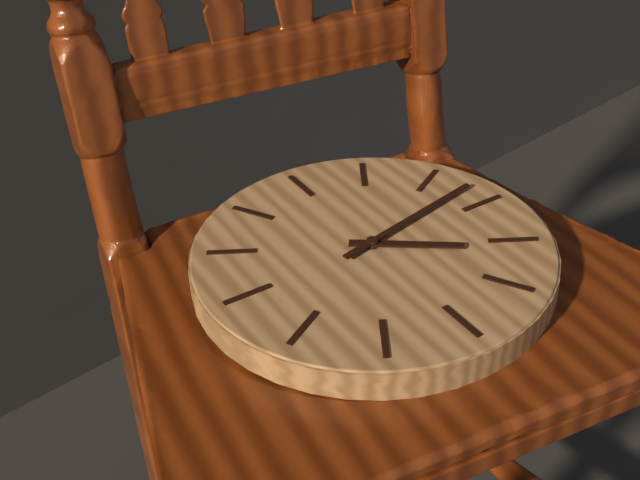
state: 4:13
